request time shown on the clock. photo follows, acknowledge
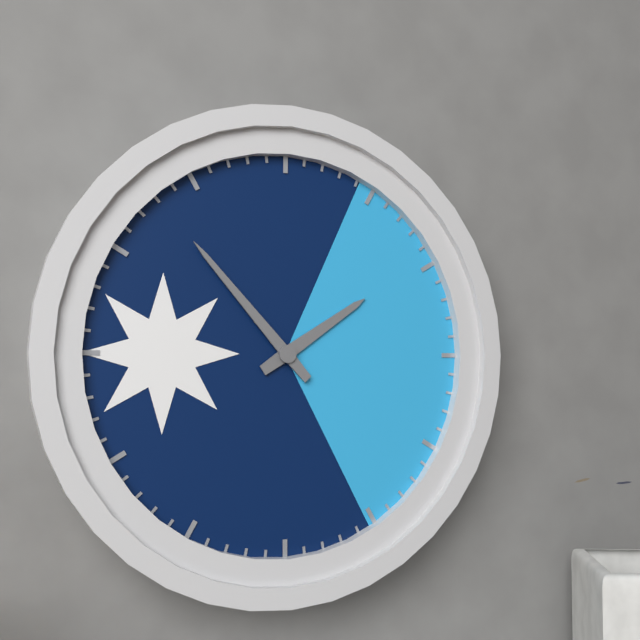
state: 1:53
